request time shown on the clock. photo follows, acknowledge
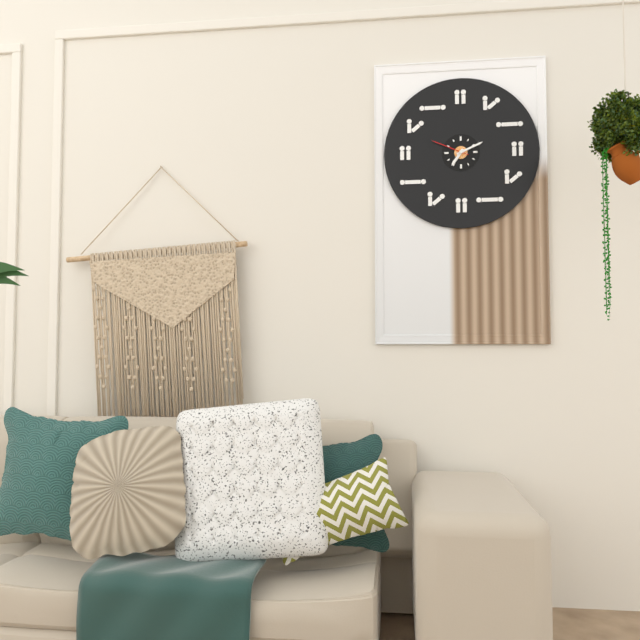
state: 7:11
